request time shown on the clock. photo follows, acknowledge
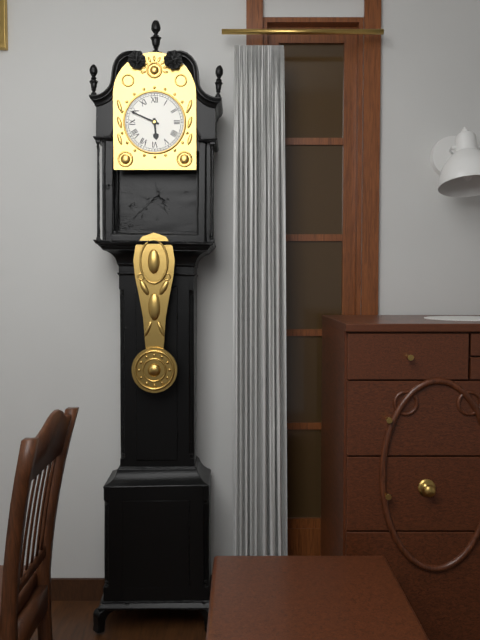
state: 5:49
